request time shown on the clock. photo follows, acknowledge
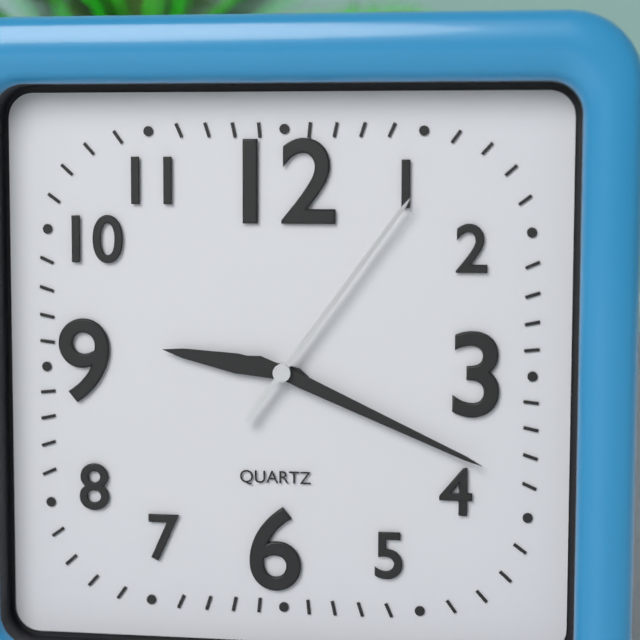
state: 9:19:06
